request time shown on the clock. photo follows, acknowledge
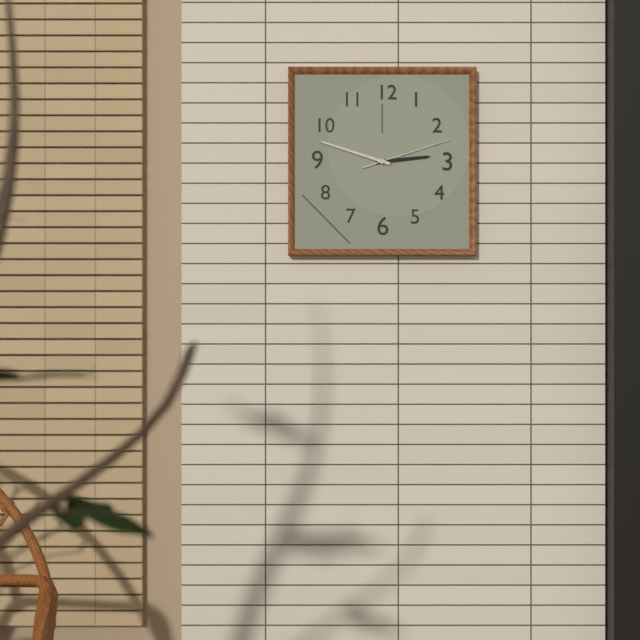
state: 2:48:12
